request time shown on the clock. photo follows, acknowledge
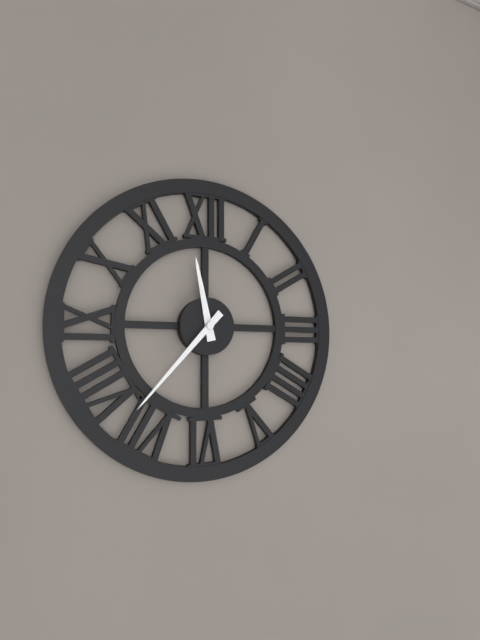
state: 11:37
